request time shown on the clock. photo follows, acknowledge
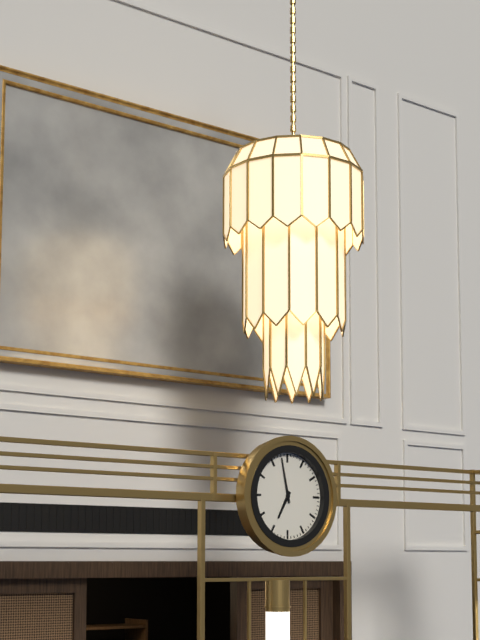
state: 6:58
